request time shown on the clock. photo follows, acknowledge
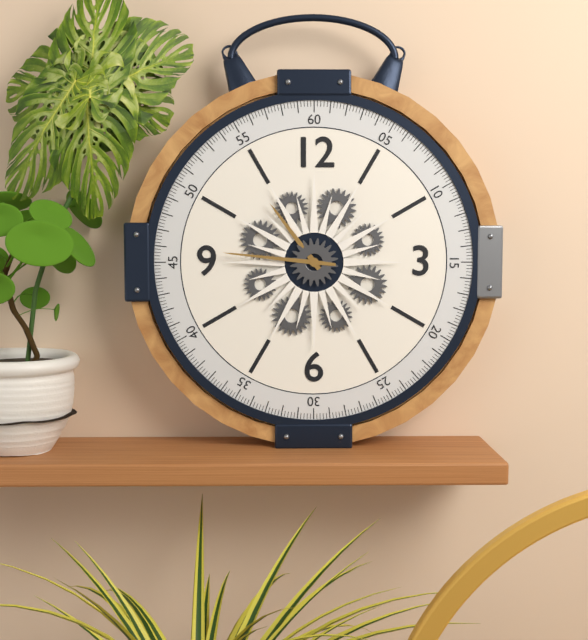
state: 10:46
